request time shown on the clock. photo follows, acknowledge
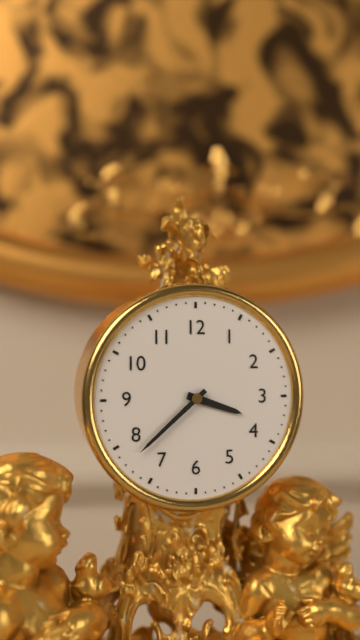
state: 3:38
